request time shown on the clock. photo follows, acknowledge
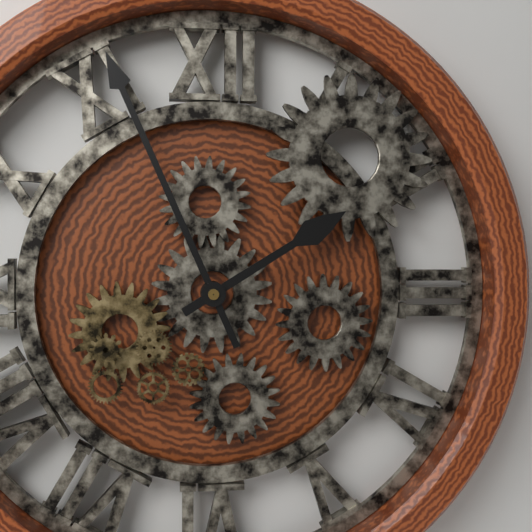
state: 1:56
